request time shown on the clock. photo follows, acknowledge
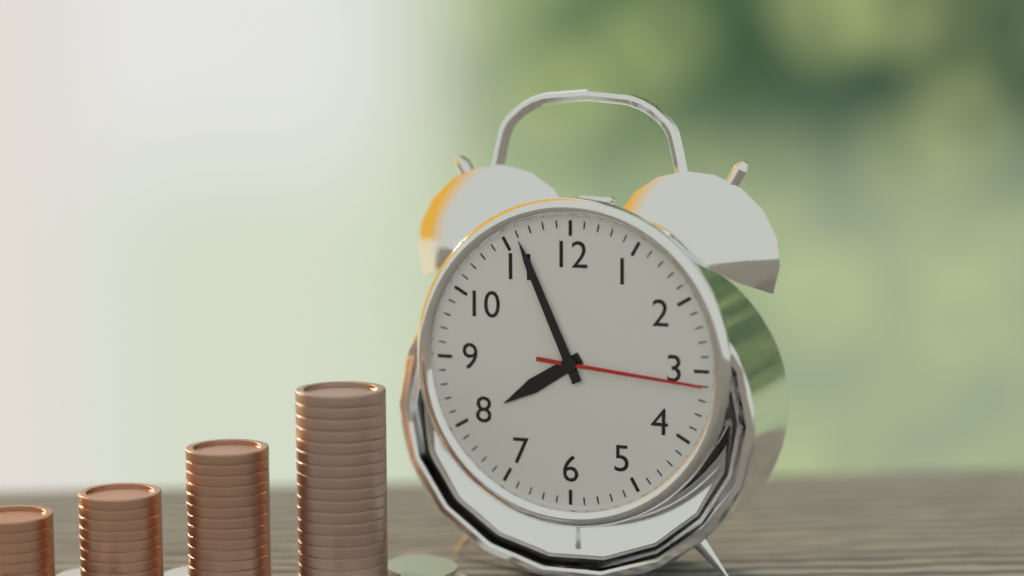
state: 7:56:16
